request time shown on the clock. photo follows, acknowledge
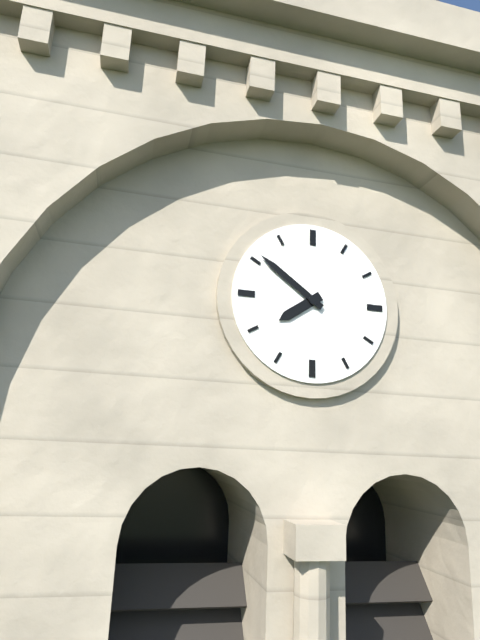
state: 7:51
